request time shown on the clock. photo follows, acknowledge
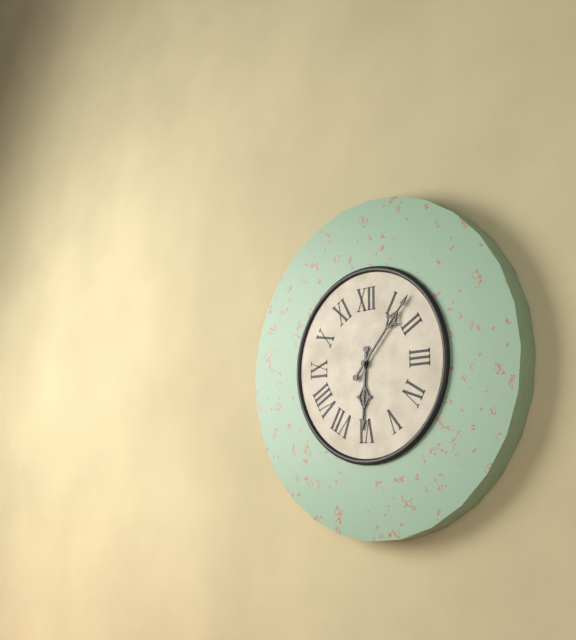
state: 6:07
